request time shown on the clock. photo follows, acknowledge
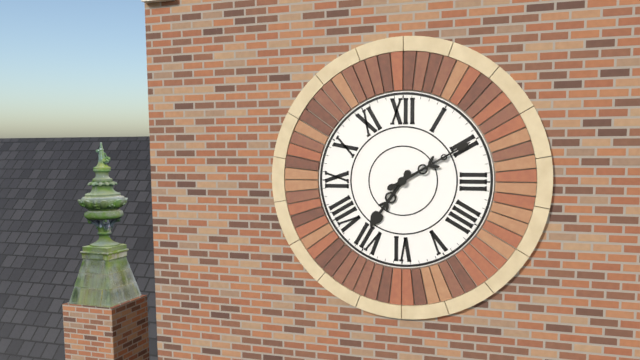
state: 7:10
